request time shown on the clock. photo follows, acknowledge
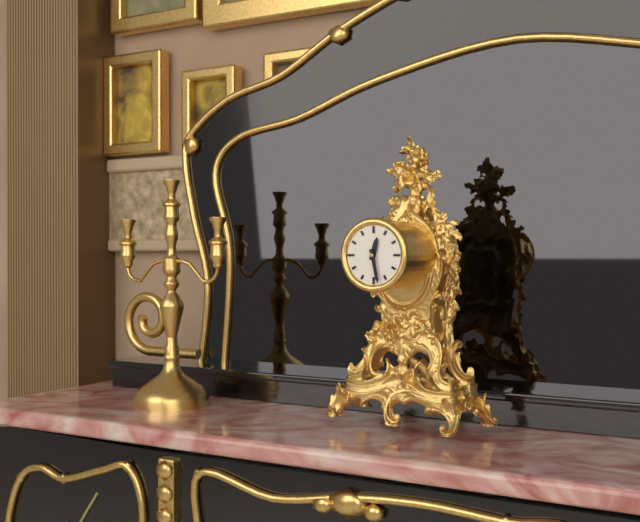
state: 12:28
